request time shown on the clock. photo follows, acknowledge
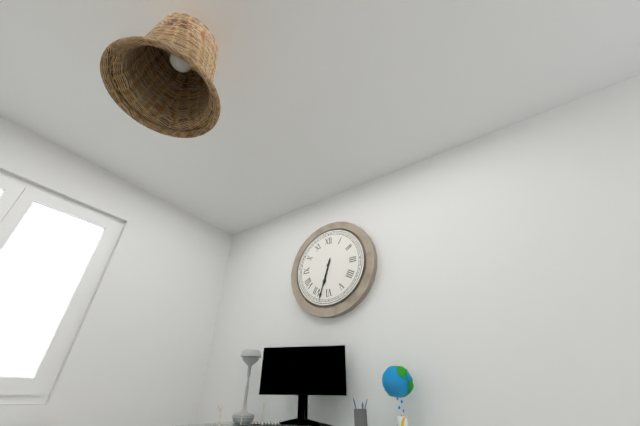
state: 6:33
